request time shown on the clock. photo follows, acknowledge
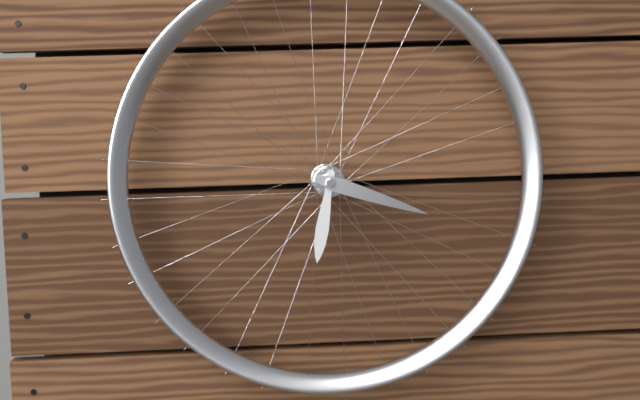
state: 6:18
